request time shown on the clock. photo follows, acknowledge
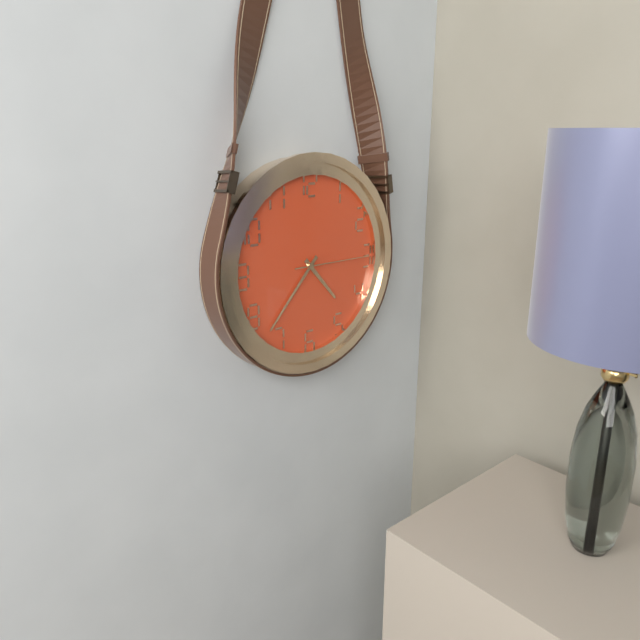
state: 4:37:15
